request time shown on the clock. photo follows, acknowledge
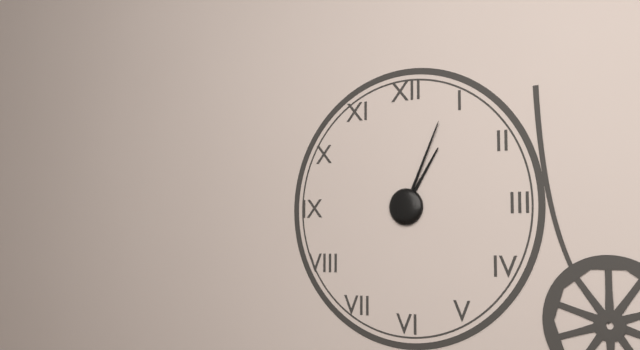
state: 1:04
